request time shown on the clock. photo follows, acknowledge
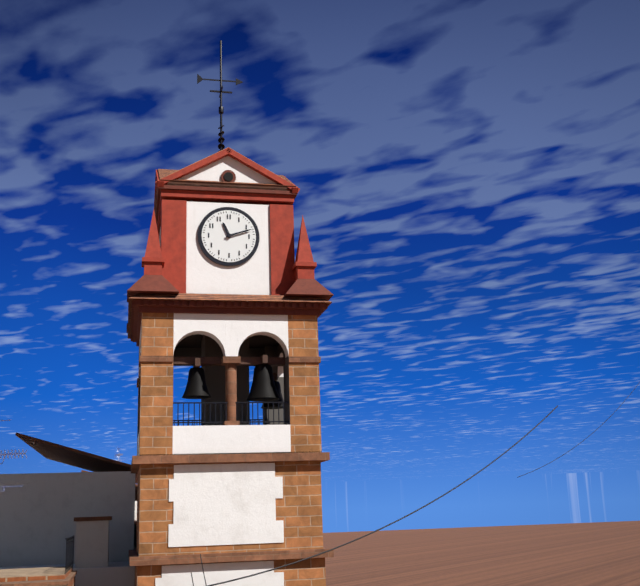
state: 11:12
